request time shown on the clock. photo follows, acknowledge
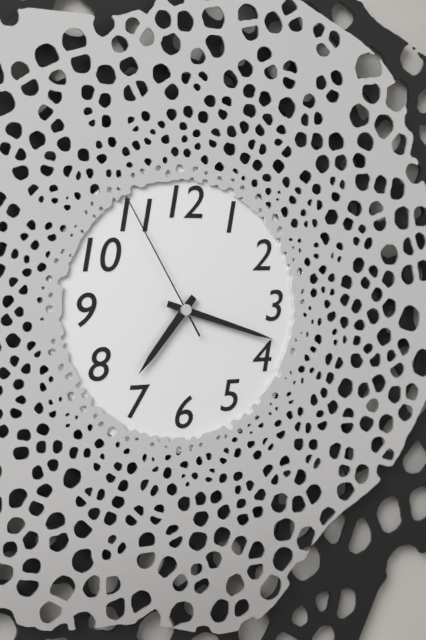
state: 7:18:55
